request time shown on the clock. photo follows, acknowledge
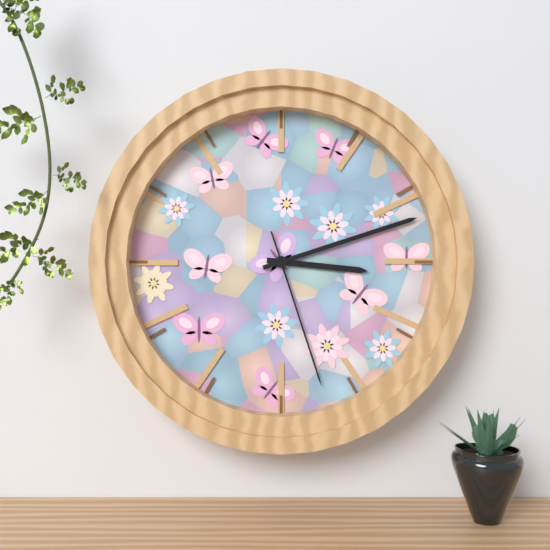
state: 3:12:27
